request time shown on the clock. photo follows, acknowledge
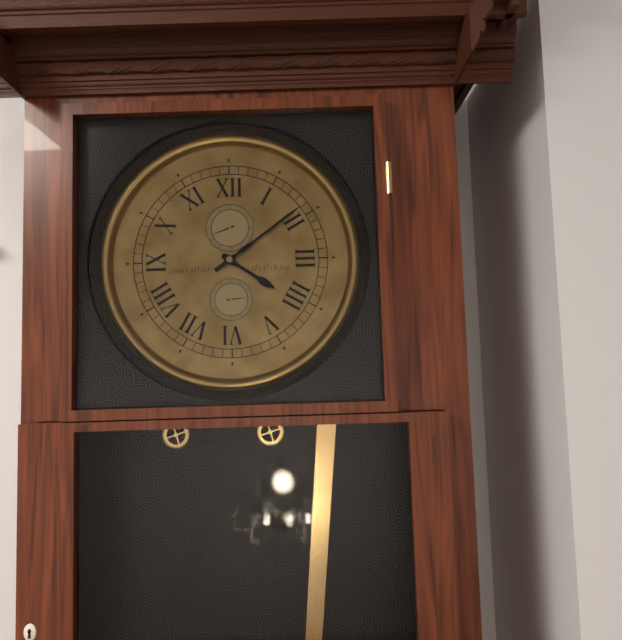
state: 4:09
